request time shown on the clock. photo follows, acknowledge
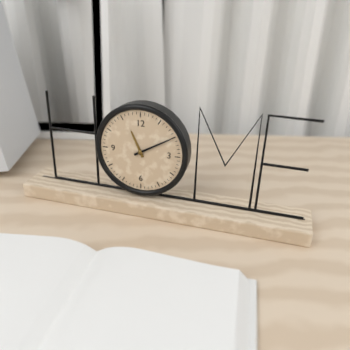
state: 11:10
